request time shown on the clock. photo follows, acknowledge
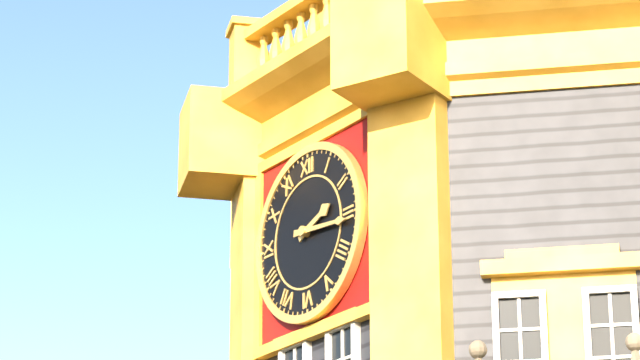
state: 2:16
